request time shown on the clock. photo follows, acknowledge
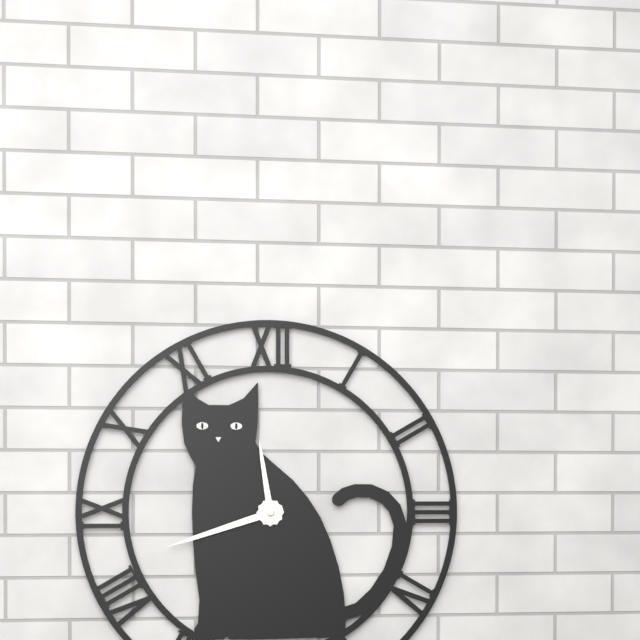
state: 11:42
